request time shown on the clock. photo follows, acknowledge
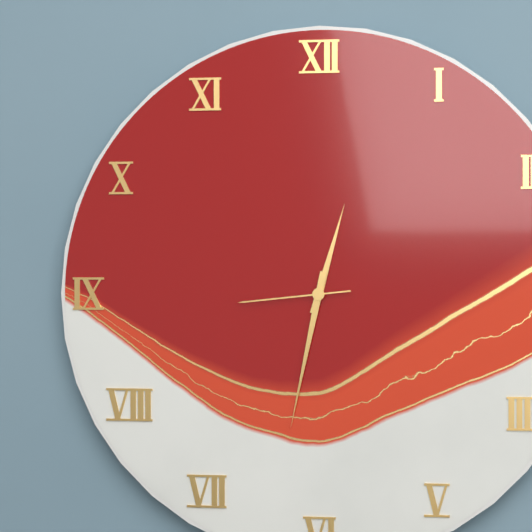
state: 12:32:44
